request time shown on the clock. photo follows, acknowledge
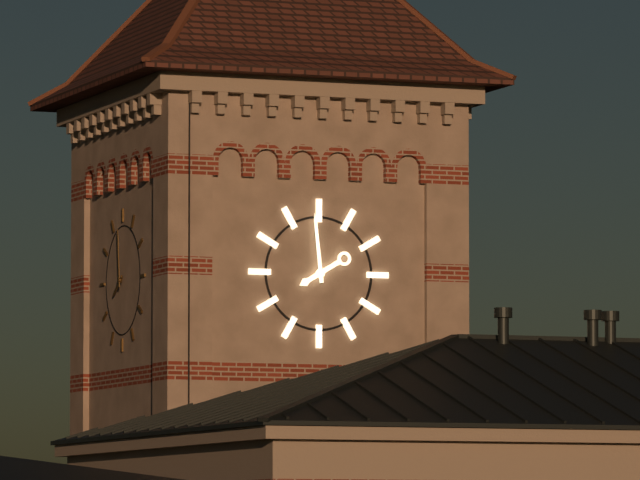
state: 7:59
